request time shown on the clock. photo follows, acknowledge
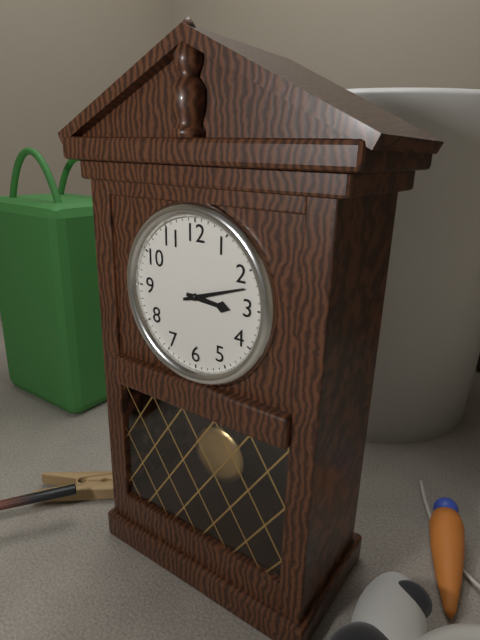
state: 3:12
